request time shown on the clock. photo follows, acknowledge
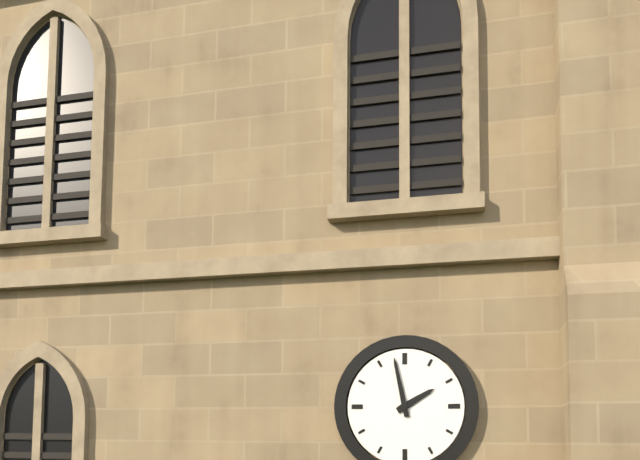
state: 1:58
